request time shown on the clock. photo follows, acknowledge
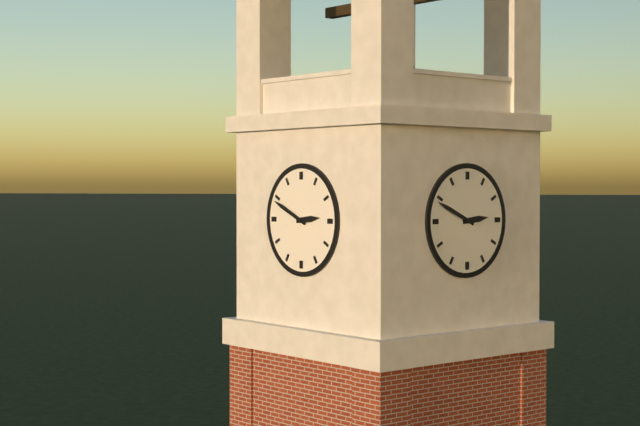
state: 2:49
